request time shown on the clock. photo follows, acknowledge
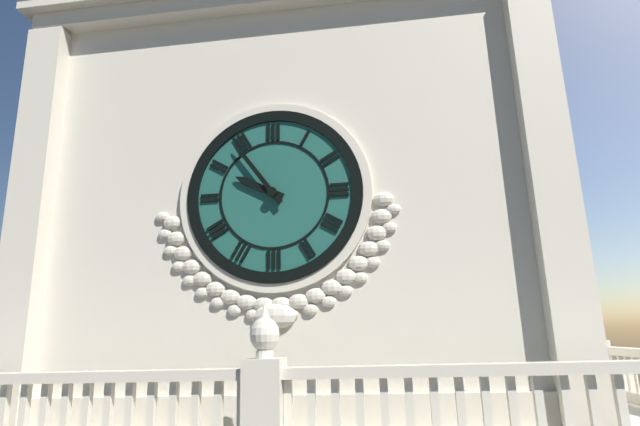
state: 9:54
